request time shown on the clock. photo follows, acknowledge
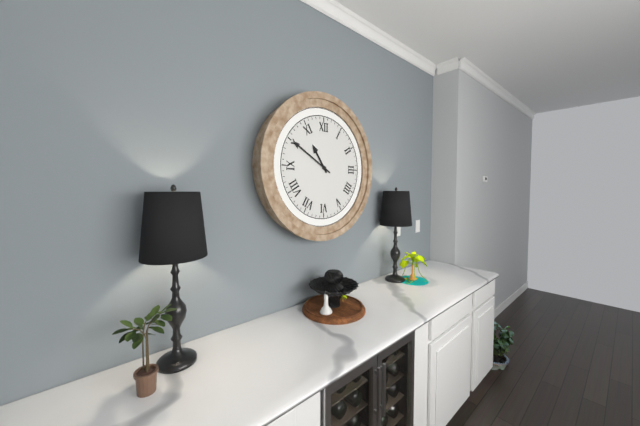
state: 10:50
